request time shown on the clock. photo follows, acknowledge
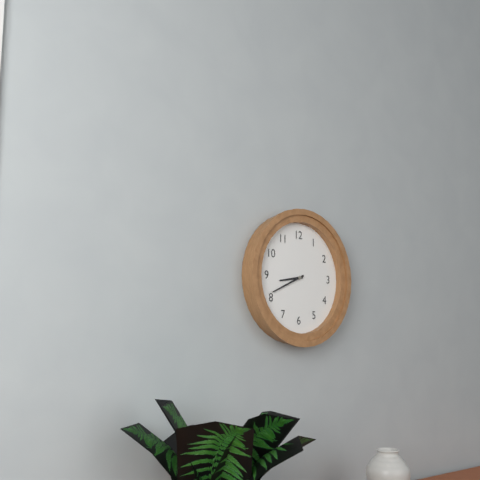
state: 8:41
